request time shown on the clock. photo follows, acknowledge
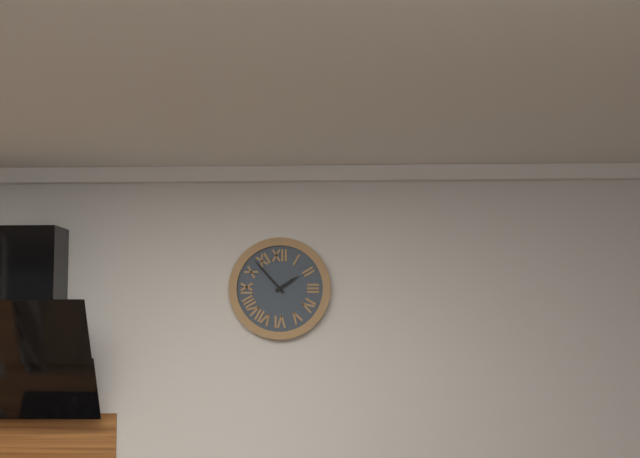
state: 1:53
